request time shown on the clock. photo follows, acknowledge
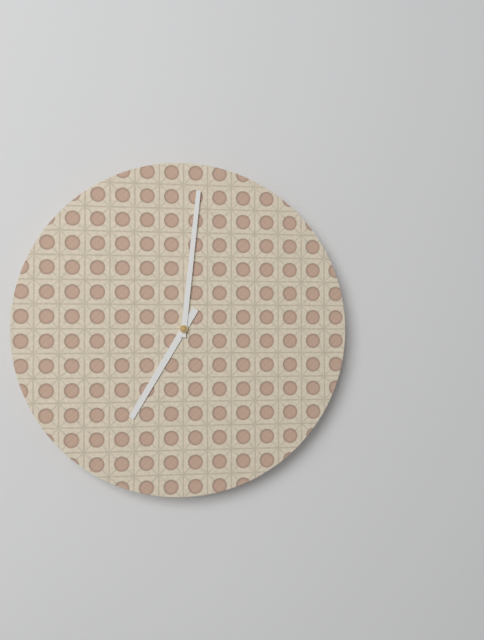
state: 7:01
